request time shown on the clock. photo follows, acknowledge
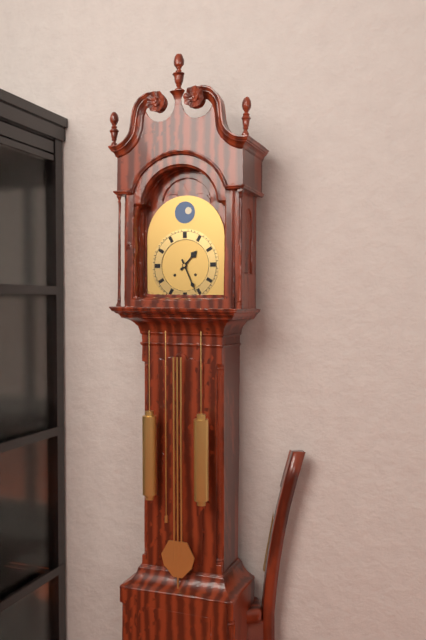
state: 1:26
